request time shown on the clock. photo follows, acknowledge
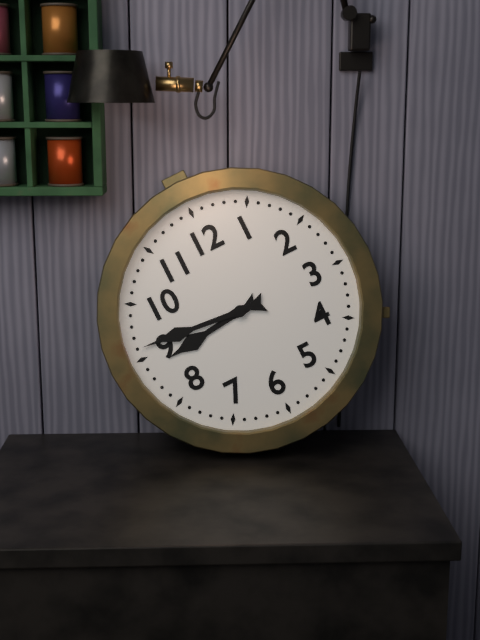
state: 8:46
